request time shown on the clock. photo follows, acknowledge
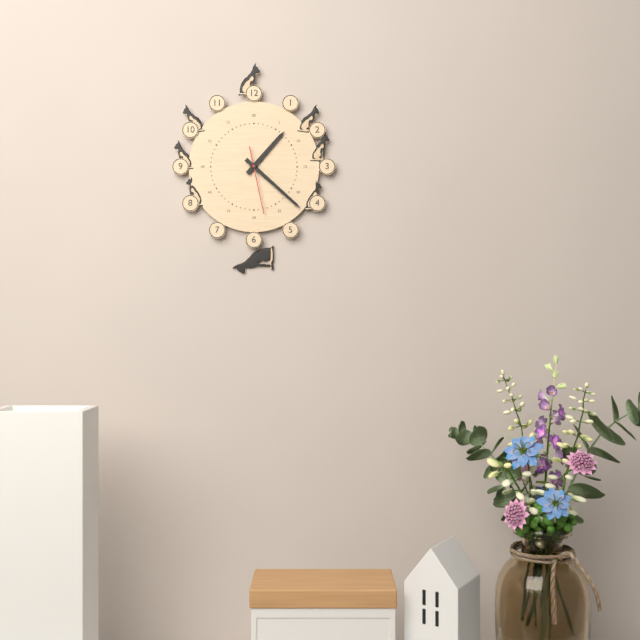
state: 1:22:28
